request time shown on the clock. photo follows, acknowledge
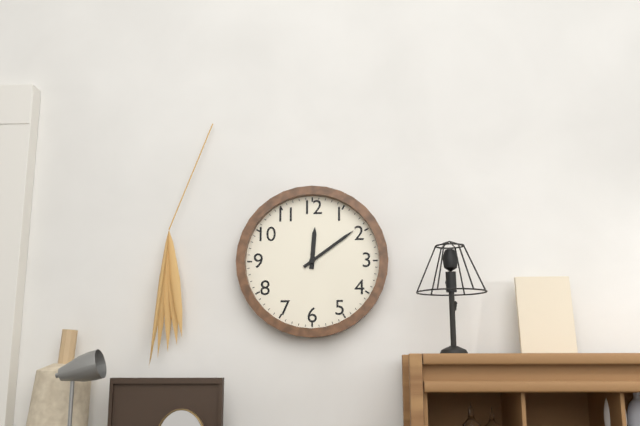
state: 12:09
